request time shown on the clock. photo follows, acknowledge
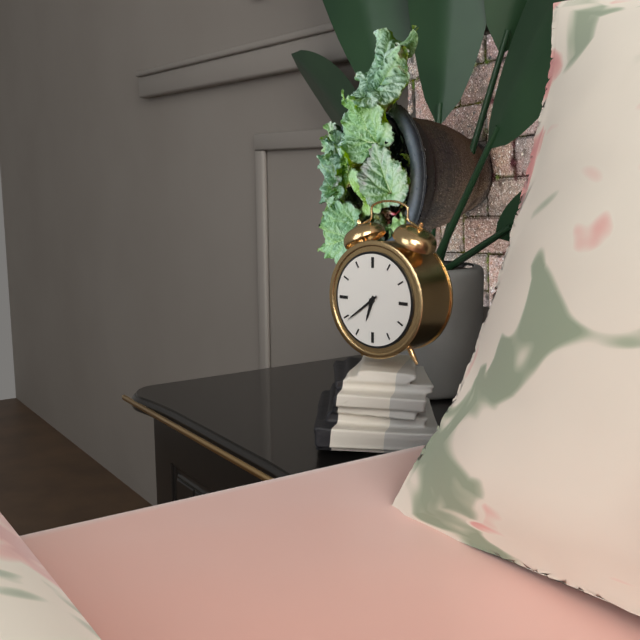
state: 6:39
